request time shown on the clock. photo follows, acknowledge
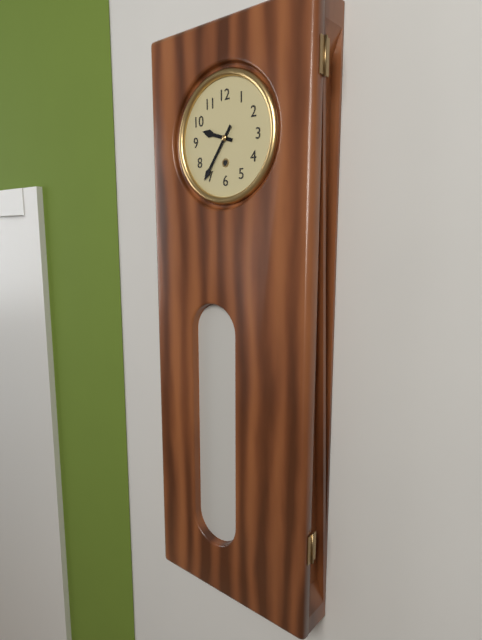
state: 9:36
